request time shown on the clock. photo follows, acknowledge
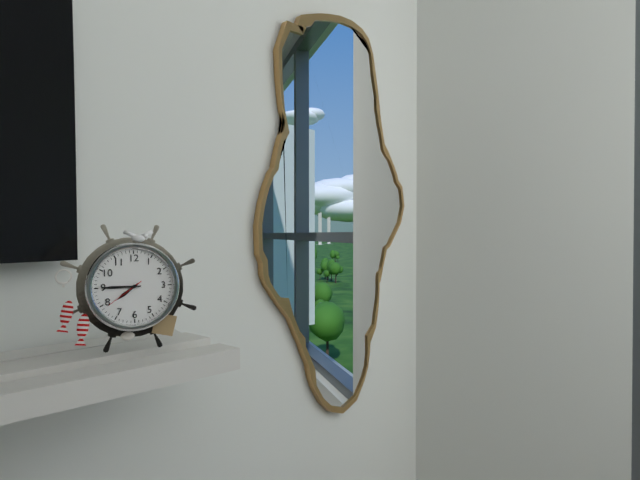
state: 7:45
